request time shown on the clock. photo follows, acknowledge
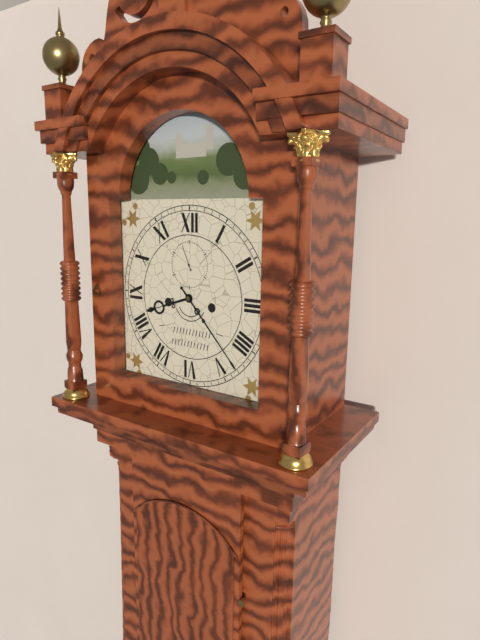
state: 8:23
